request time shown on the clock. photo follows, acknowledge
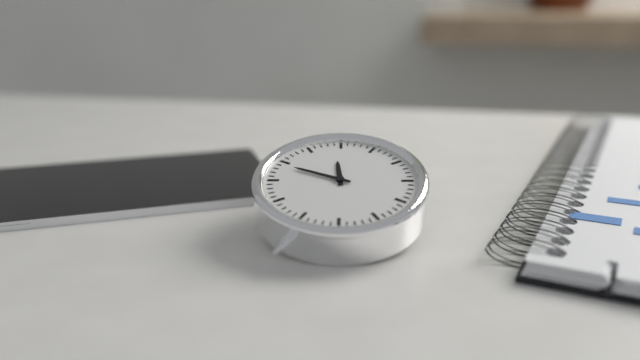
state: 11:49
